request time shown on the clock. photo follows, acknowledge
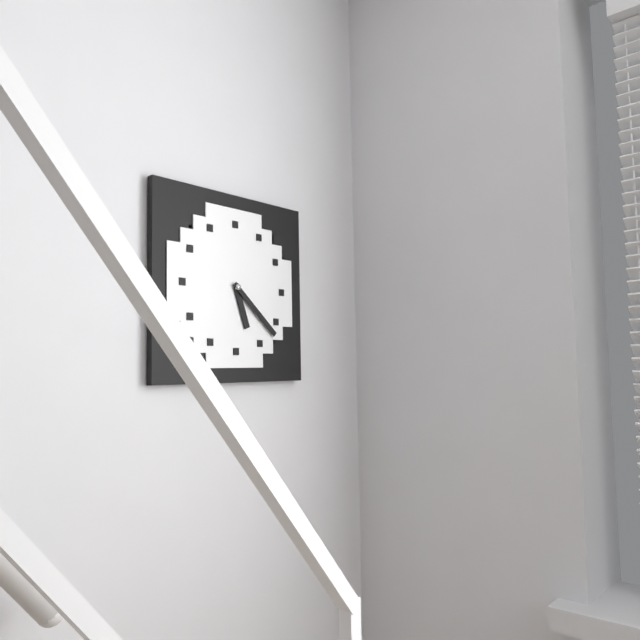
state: 5:22
